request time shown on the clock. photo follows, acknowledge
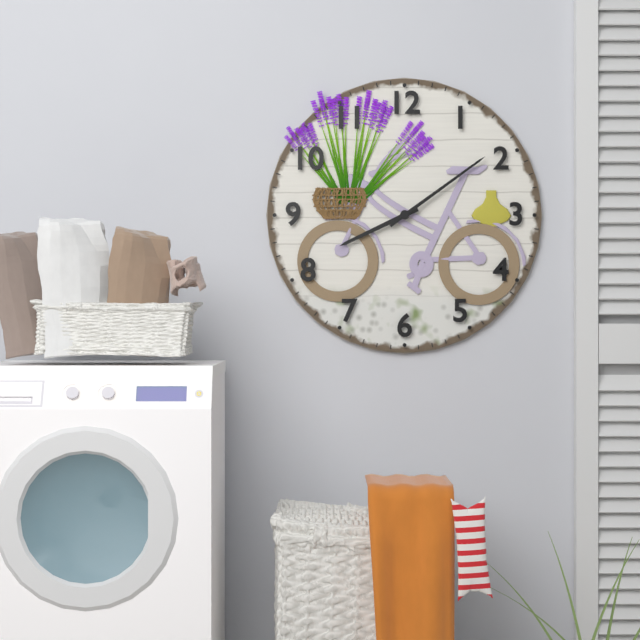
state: 8:09
